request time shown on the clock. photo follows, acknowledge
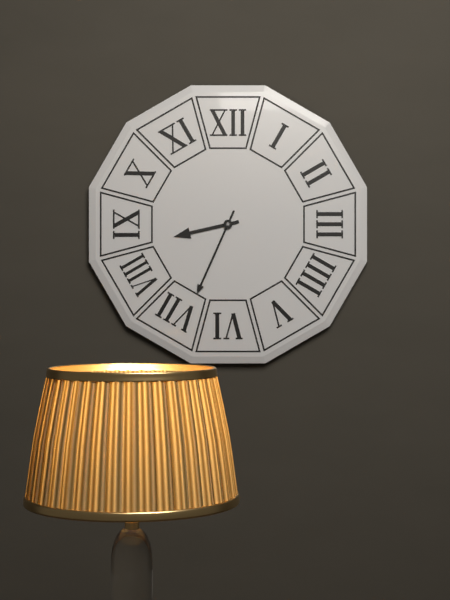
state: 8:34
